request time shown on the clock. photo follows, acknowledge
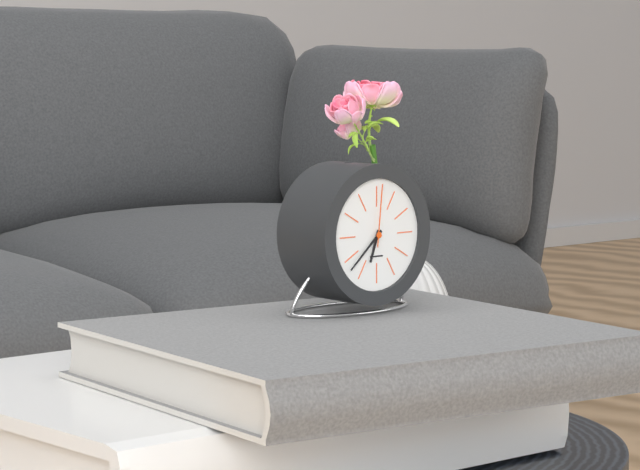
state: 6:38:01
